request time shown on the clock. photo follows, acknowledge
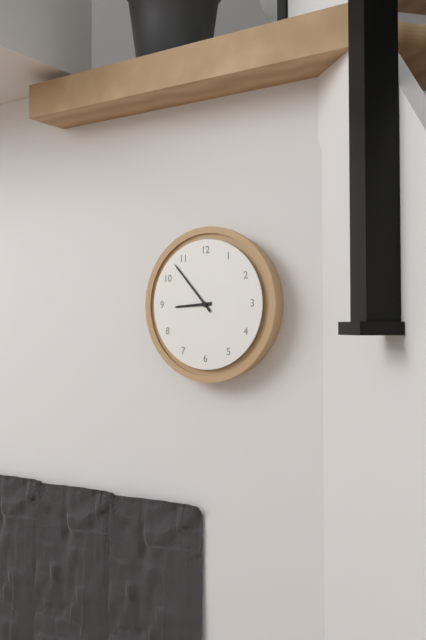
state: 8:53
